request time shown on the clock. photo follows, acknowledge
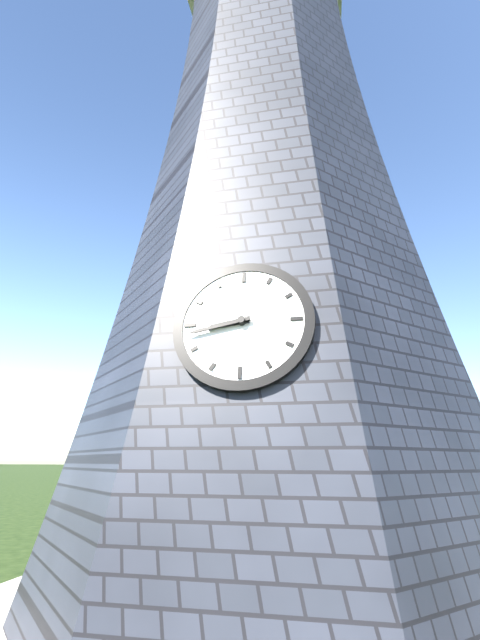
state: 8:43
